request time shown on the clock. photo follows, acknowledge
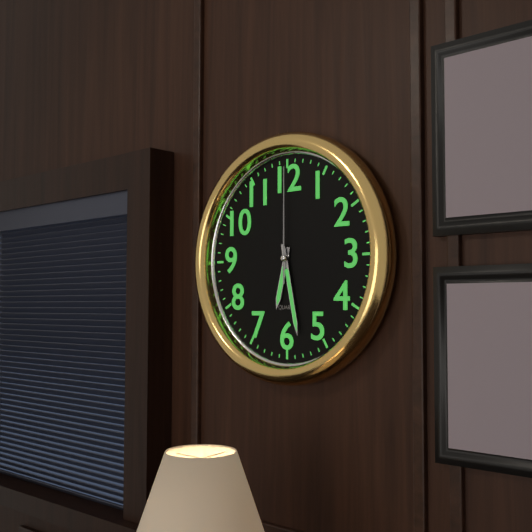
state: 6:28:00
